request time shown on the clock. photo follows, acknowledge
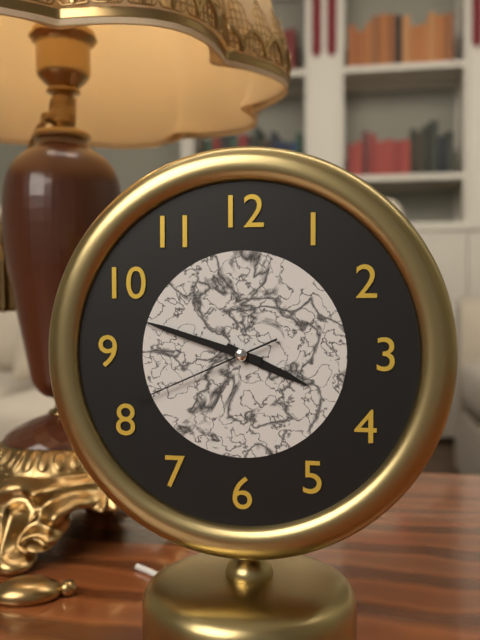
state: 3:48:41
